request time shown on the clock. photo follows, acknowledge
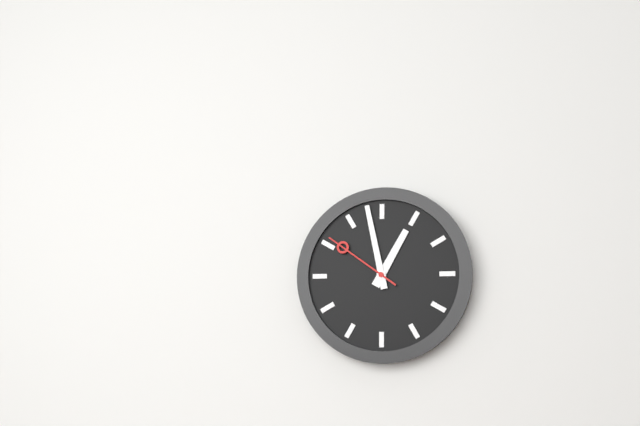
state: 12:58:51
